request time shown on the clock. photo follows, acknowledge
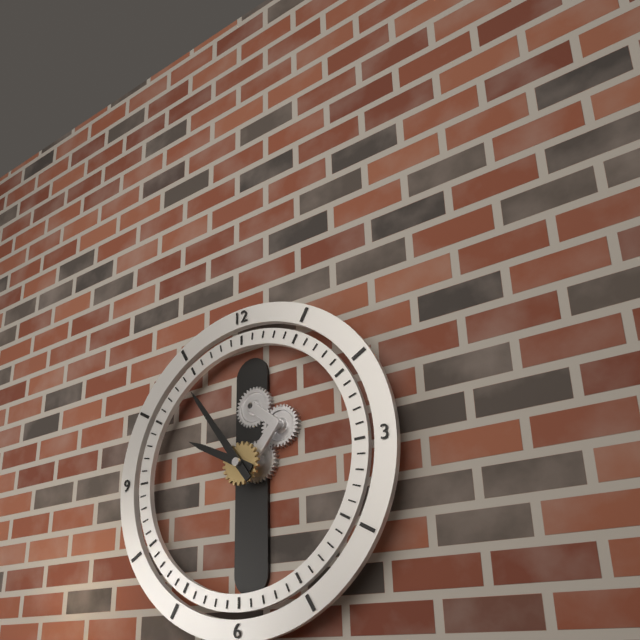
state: 9:54
